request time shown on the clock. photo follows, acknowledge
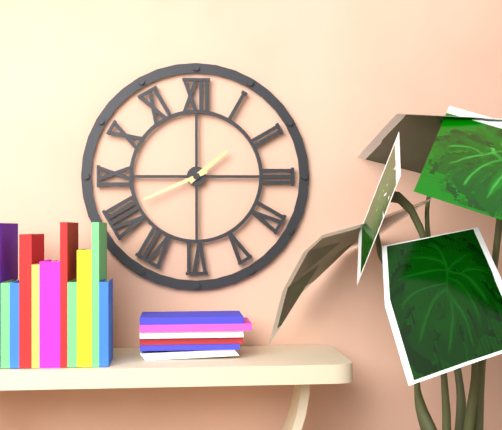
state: 1:41
